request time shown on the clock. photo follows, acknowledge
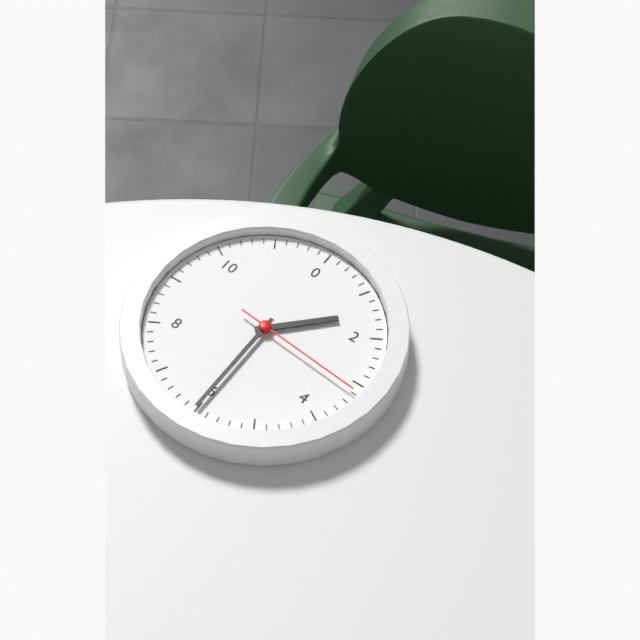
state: 1:30:16
